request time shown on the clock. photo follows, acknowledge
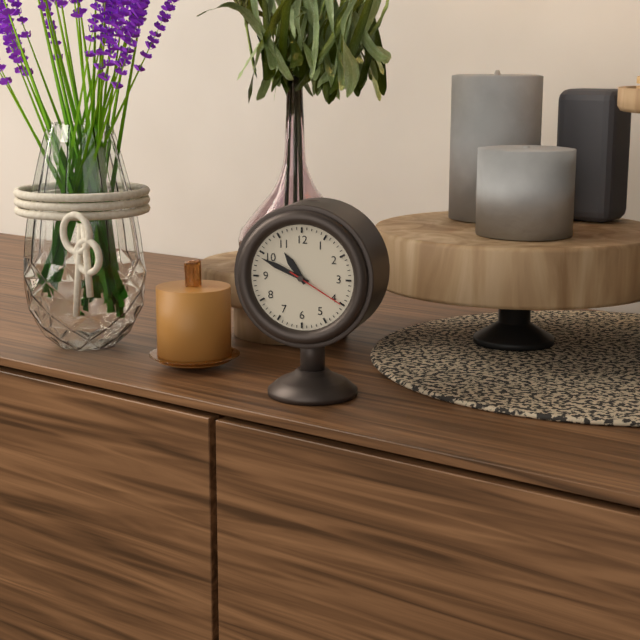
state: 10:49:20
